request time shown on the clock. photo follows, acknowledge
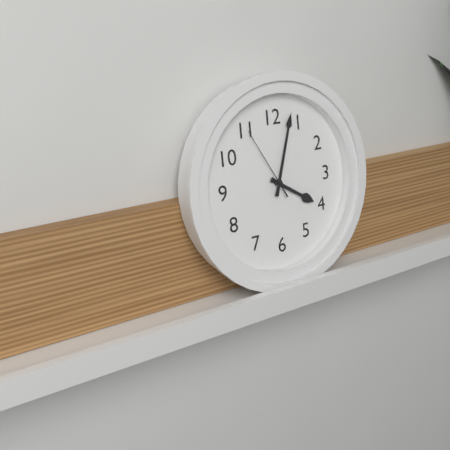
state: 4:03:55
